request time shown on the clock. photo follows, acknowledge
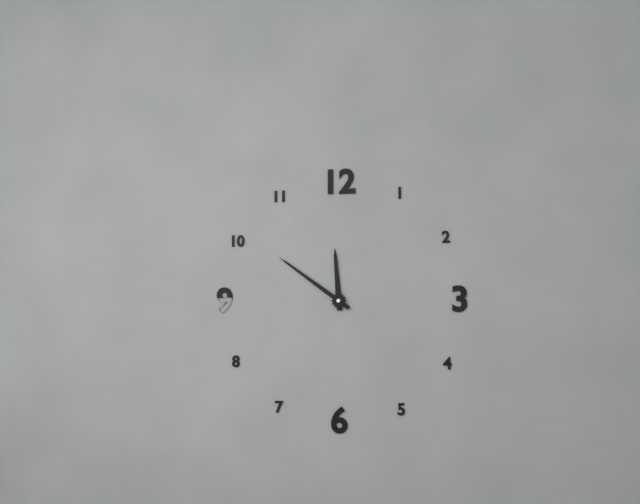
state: 11:51
